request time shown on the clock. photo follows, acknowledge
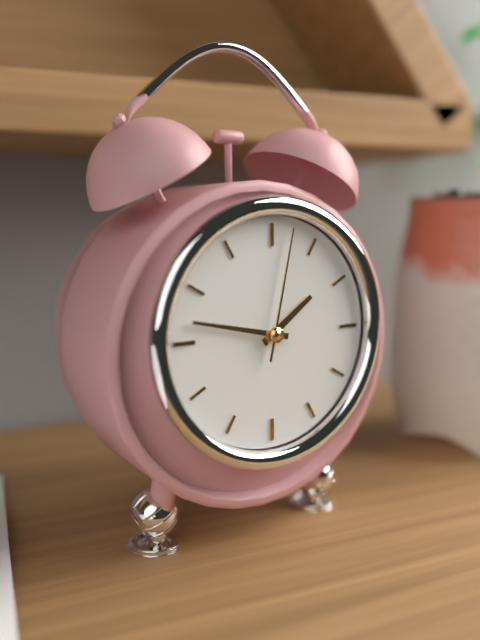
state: 1:47:02
